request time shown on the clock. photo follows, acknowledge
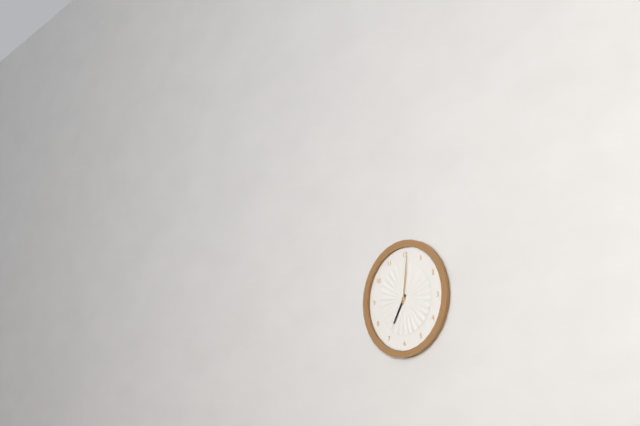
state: 7:01
